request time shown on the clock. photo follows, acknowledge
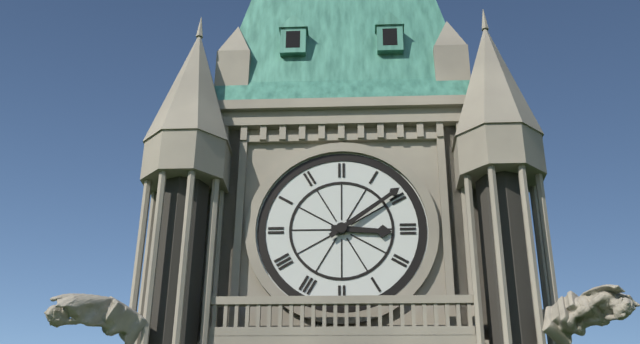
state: 3:09
